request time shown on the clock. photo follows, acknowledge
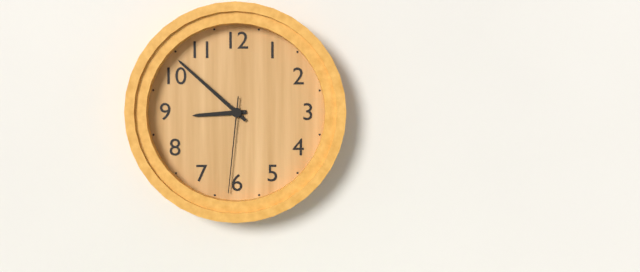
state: 8:52:31
